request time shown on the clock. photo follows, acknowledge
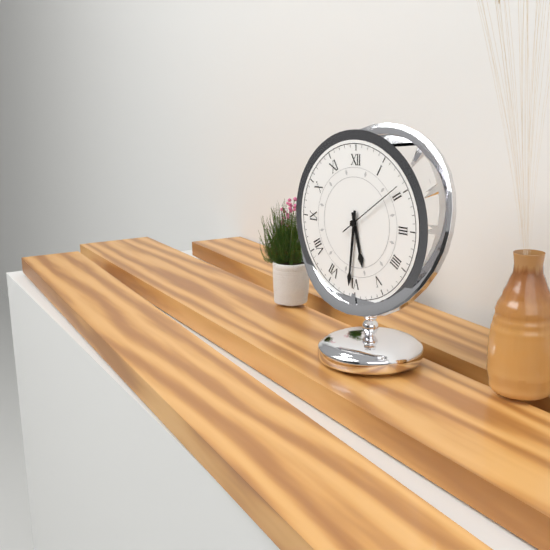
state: 5:31:09
